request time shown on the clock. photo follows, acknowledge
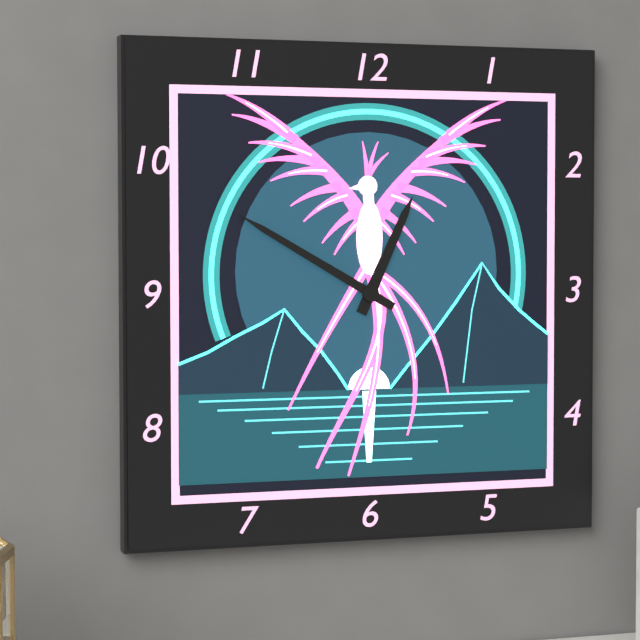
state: 12:50
